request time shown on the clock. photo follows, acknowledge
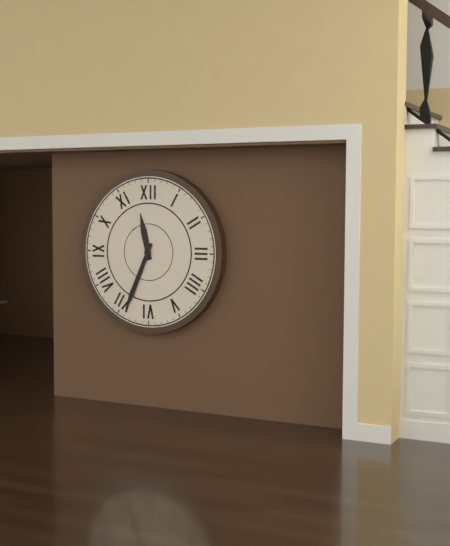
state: 11:34
